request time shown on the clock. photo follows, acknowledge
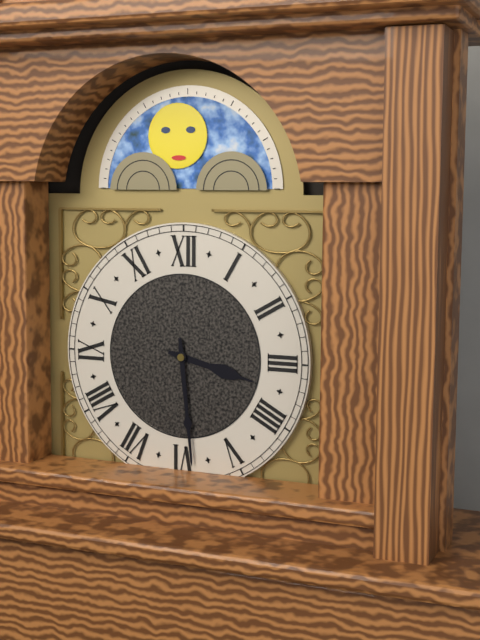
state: 3:29
